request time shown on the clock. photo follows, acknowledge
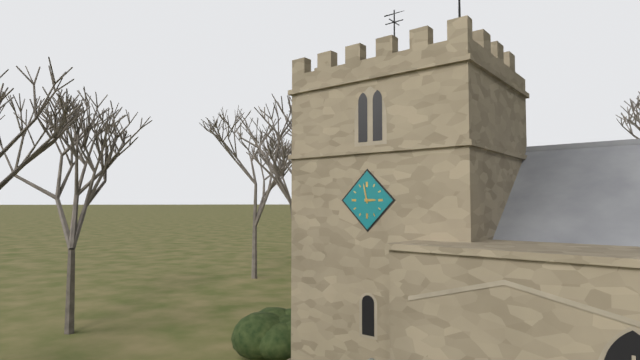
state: 2:58
